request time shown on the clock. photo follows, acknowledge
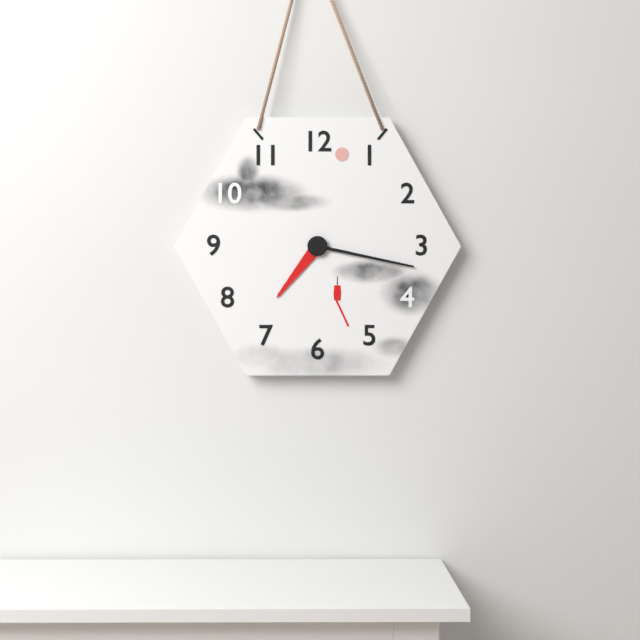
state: 7:17
